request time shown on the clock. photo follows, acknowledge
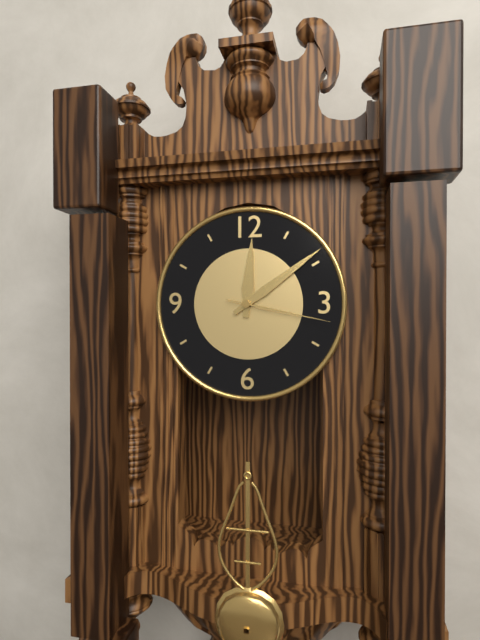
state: 12:09:17
